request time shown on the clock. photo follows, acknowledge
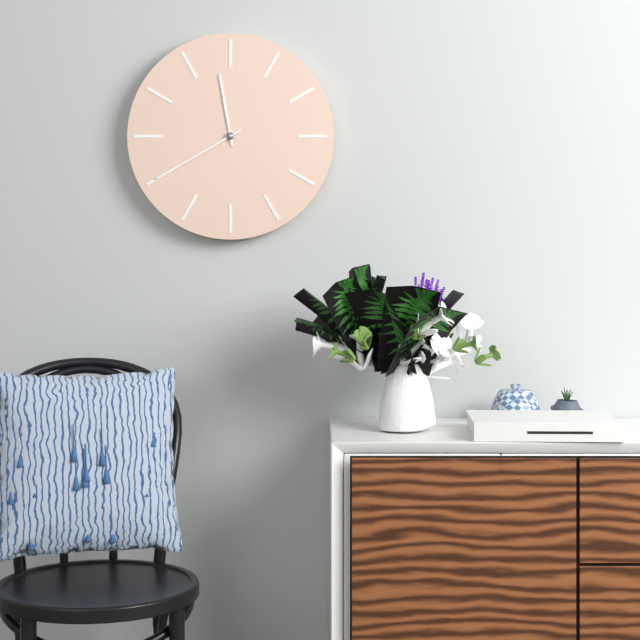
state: 11:40
